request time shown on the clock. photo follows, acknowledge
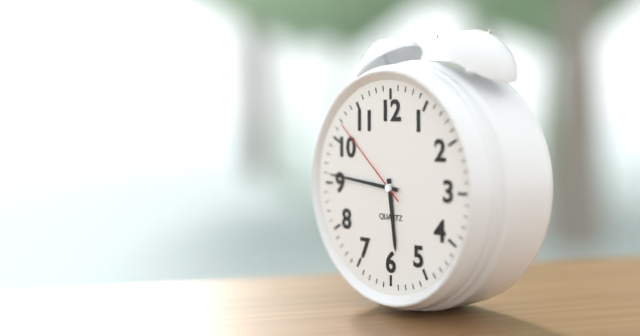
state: 5:46:52
